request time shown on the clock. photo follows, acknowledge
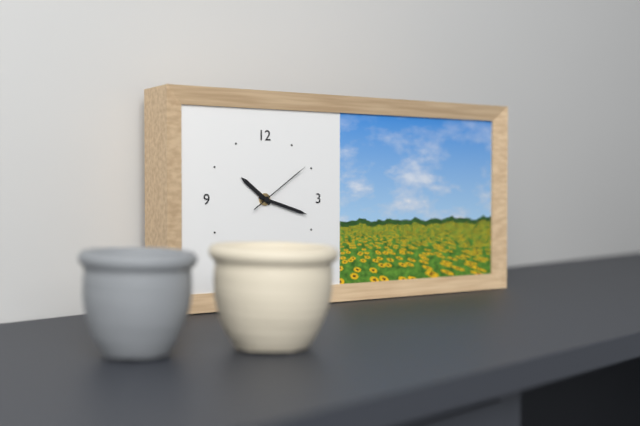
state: 10:18:09
